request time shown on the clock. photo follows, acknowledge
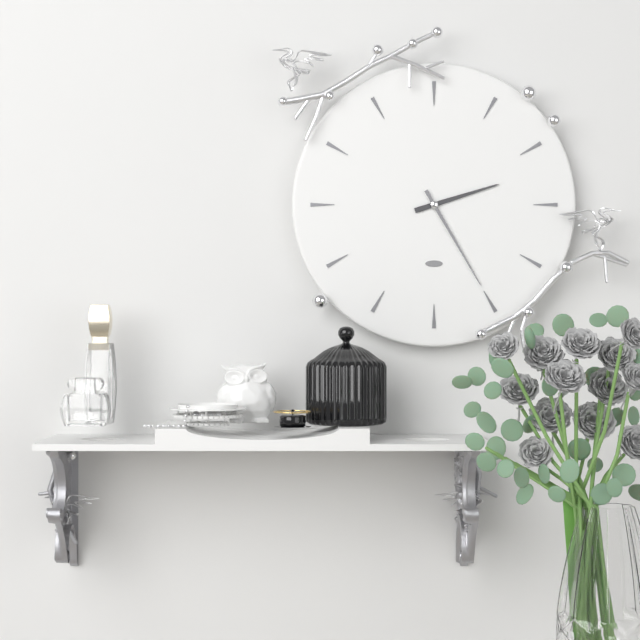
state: 2:25
